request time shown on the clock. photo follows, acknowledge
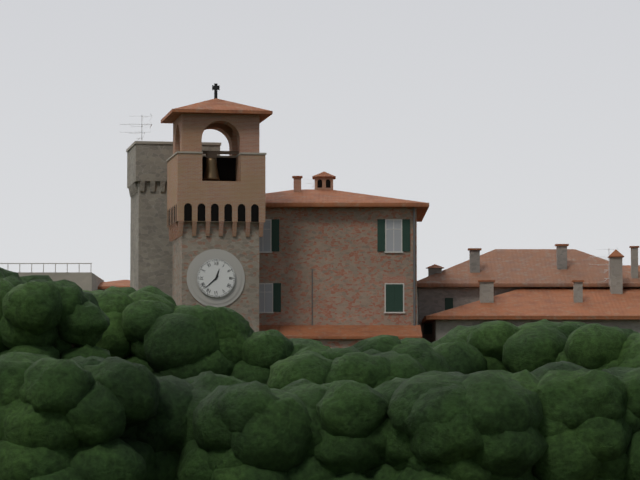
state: 12:38
